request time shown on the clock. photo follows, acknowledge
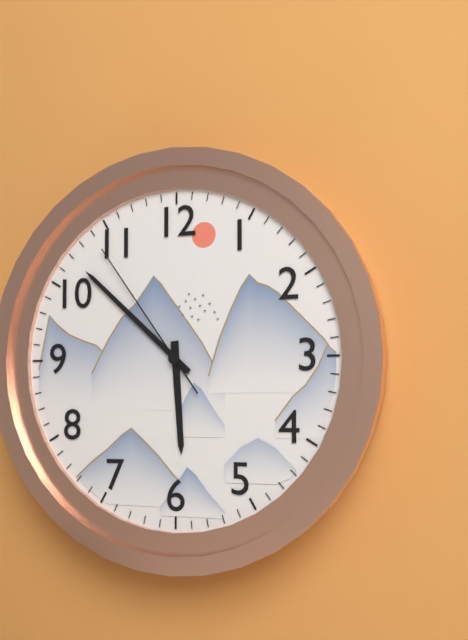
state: 5:52:54
